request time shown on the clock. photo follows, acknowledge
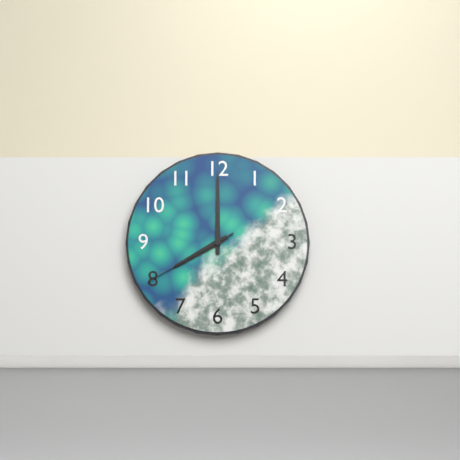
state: 8:00:40
